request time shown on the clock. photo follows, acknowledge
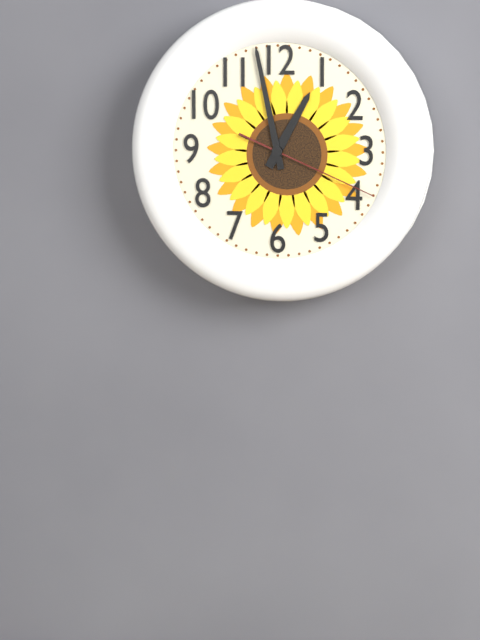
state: 12:58:19
